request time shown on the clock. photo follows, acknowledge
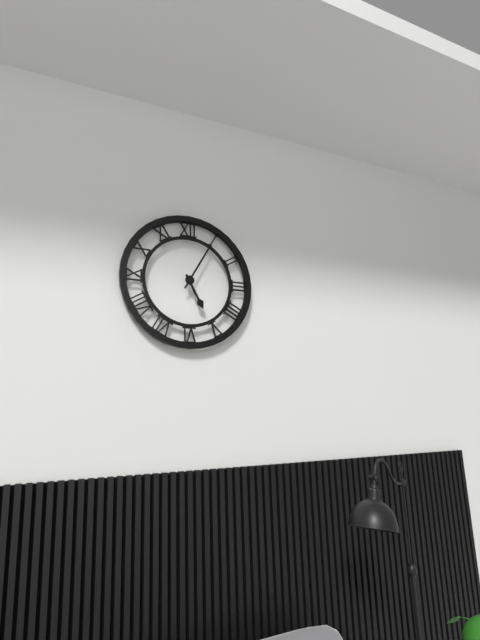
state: 5:05
